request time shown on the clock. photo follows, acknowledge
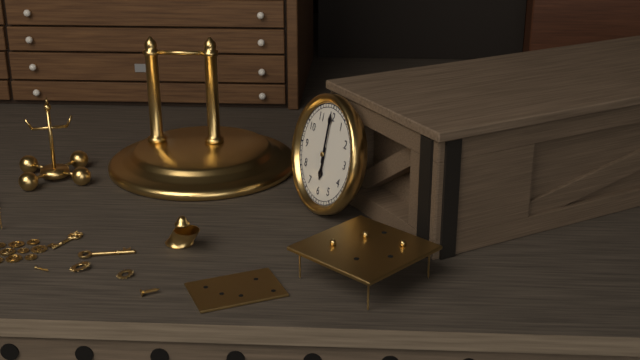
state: 6:00
